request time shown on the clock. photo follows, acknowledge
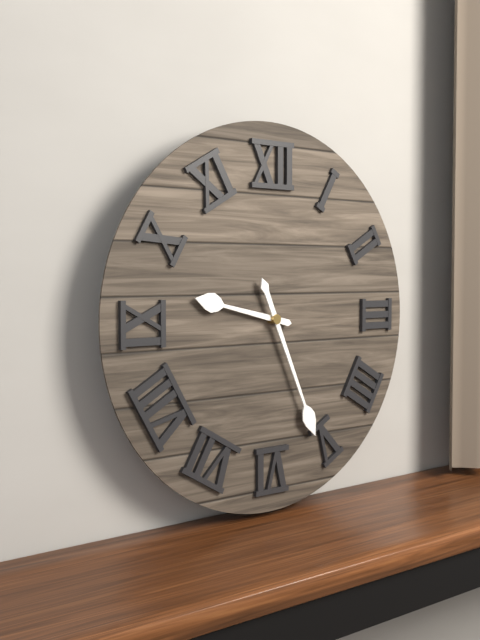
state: 9:26
